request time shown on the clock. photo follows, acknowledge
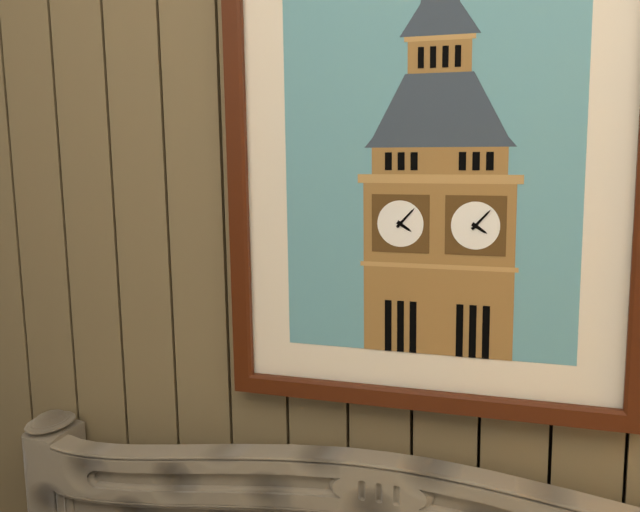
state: 4:07
